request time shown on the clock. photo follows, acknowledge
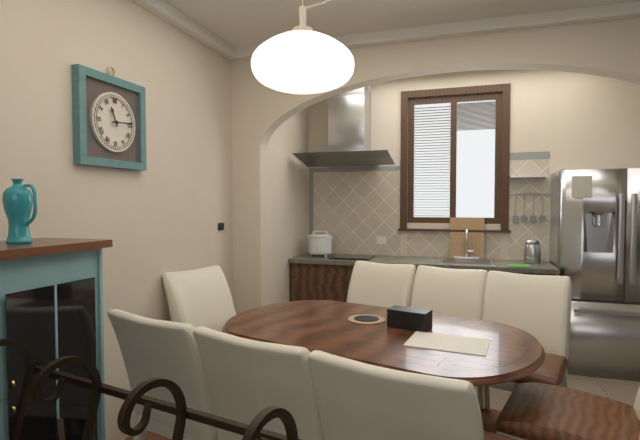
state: 11:14
